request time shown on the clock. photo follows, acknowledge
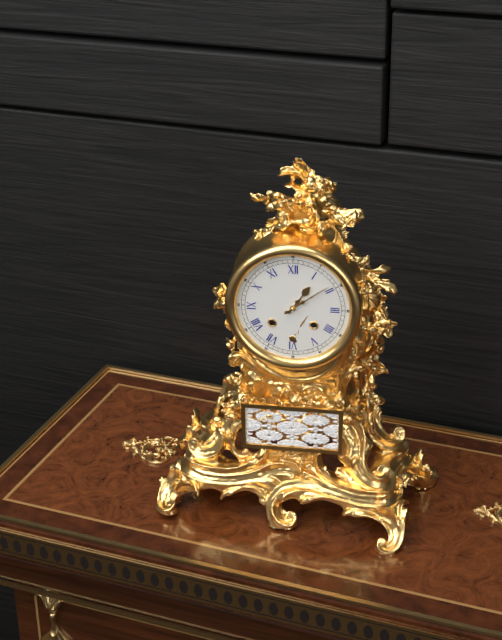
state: 1:09
